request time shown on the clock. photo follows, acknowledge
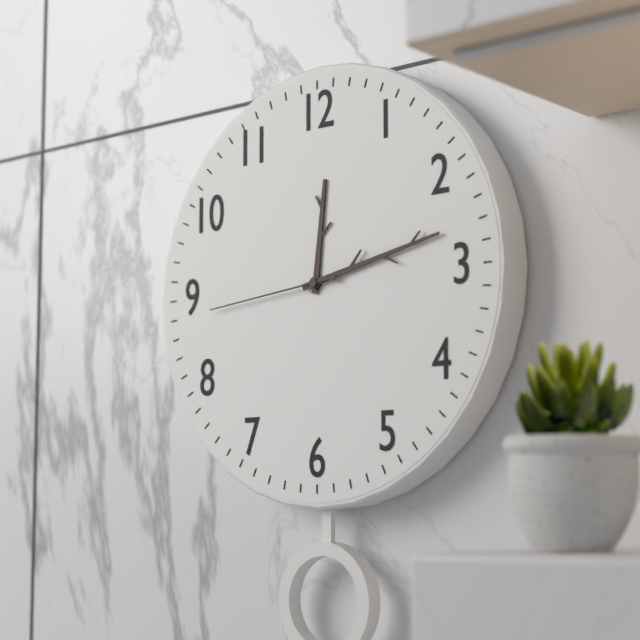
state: 12:13:44
